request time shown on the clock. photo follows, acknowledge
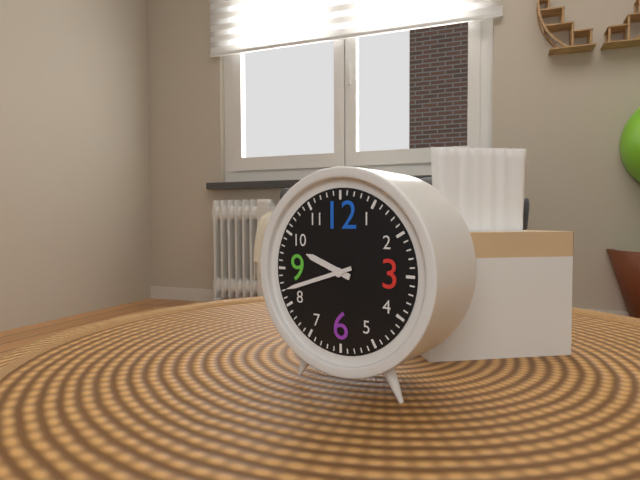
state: 9:42
